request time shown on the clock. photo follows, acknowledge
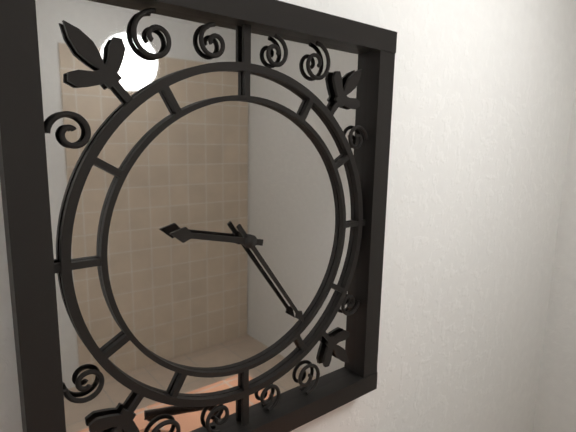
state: 9:24
